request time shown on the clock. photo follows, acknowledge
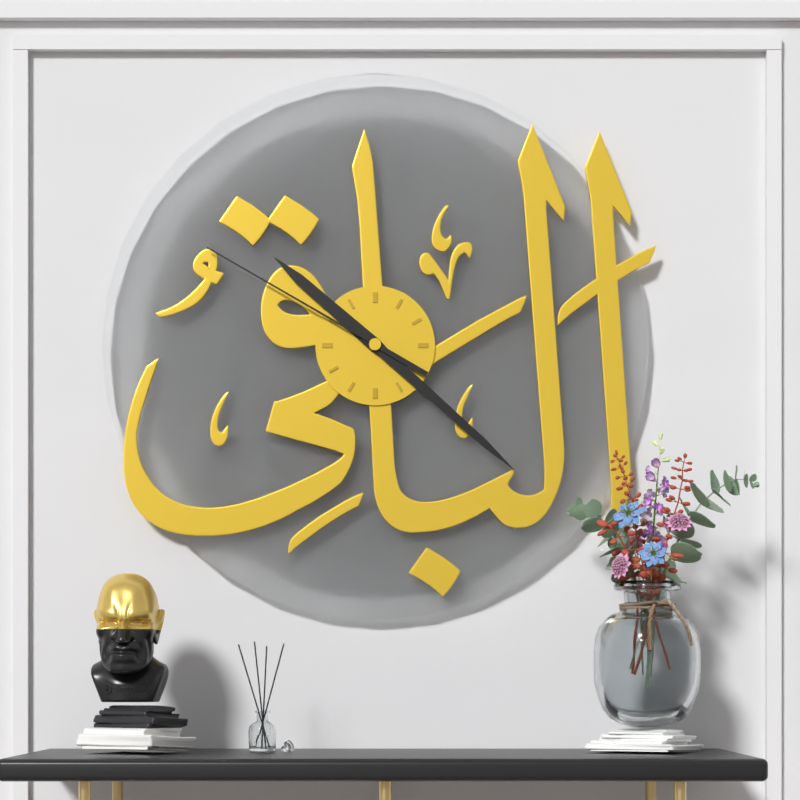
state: 10:22:50
